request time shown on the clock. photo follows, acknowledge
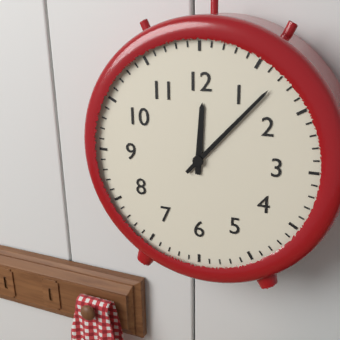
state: 12:07
